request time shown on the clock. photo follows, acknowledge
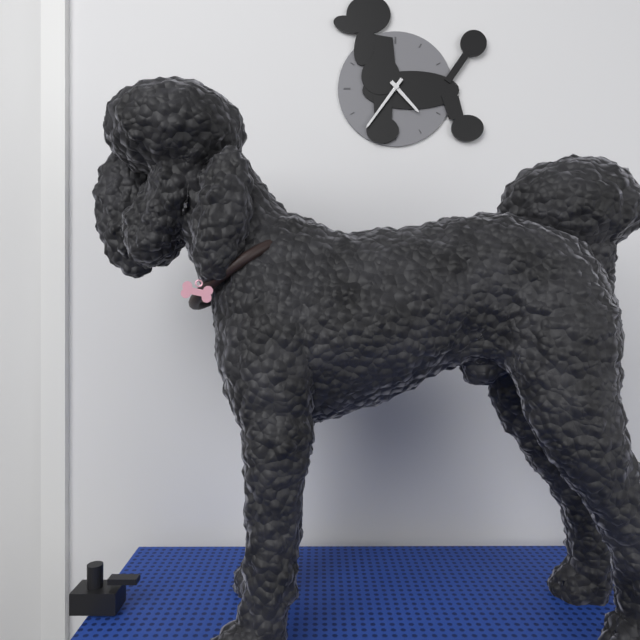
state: 4:36
